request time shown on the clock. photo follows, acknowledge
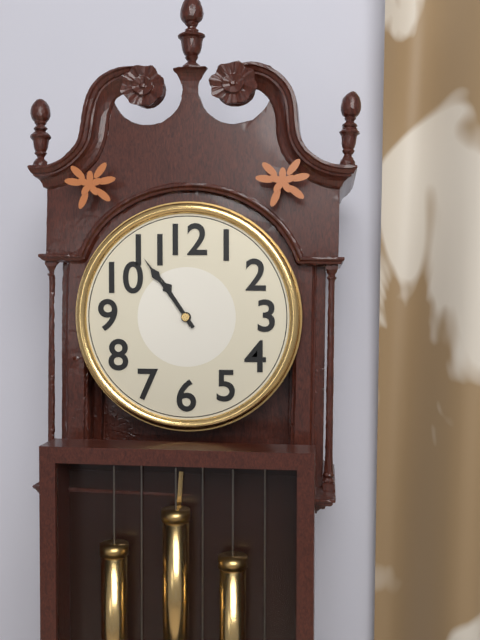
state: 10:54
